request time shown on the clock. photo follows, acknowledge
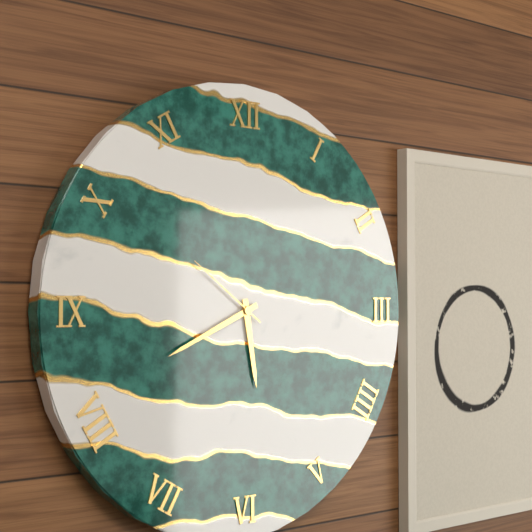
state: 5:41:51
